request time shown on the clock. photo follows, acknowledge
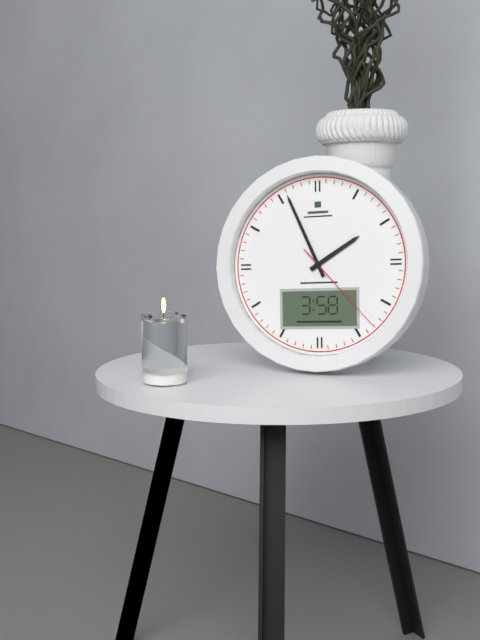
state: 1:56:23
